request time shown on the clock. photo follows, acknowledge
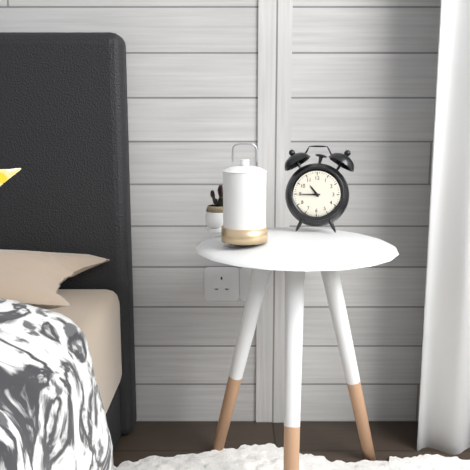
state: 10:45
